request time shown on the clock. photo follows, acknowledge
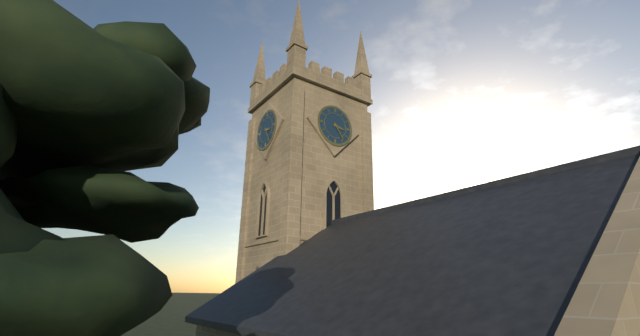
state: 3:24
